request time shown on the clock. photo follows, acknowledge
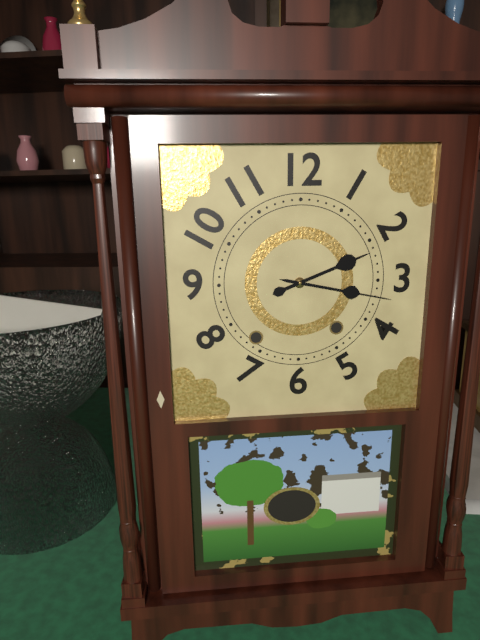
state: 2:17
